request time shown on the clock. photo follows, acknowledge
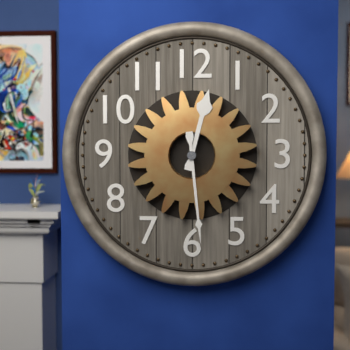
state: 12:29
